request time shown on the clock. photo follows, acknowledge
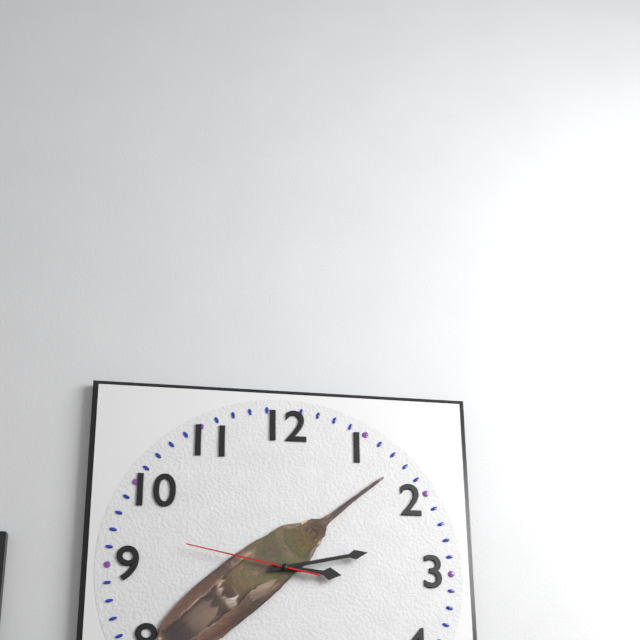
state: 3:13:47
